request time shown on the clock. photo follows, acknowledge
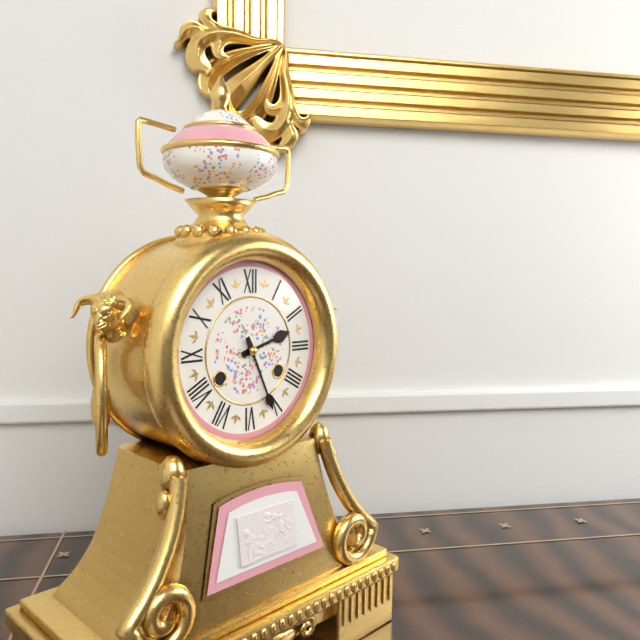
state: 2:26
